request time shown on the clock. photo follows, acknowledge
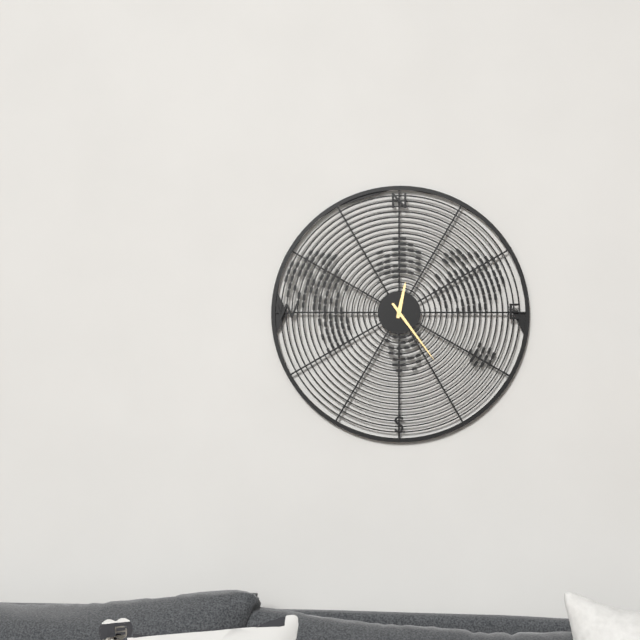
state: 12:24
